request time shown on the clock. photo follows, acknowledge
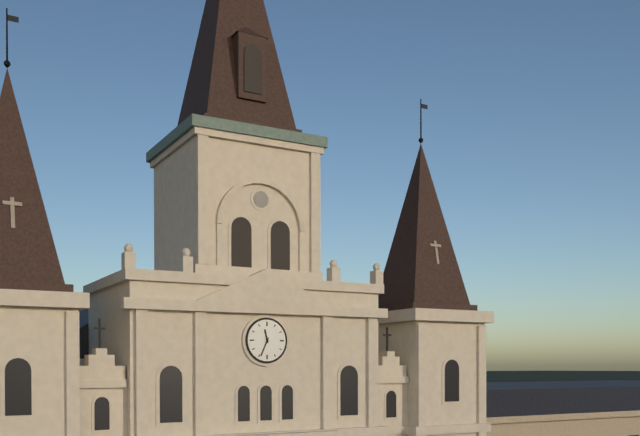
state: 11:34
